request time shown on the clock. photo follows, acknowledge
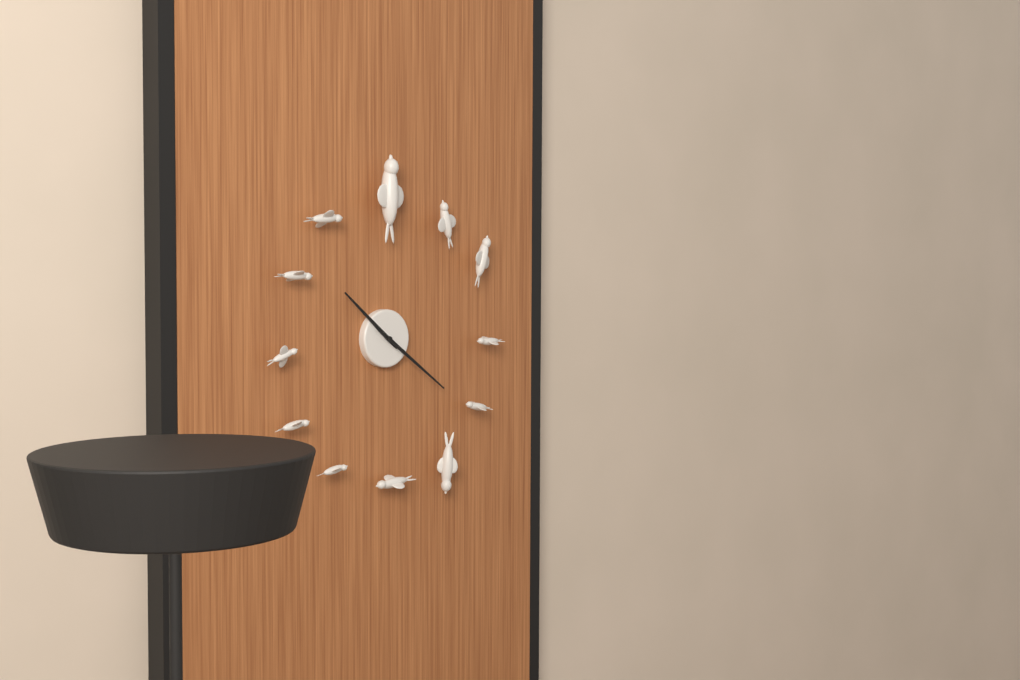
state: 10:21
